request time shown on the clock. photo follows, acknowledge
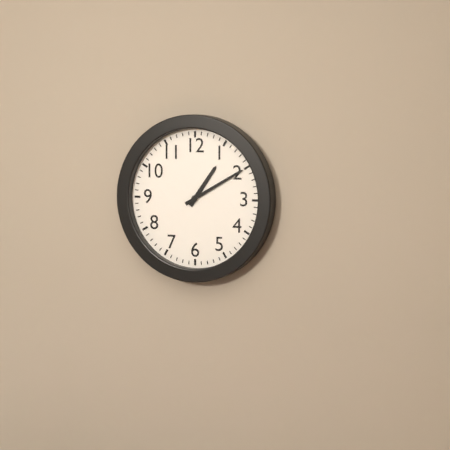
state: 1:10
